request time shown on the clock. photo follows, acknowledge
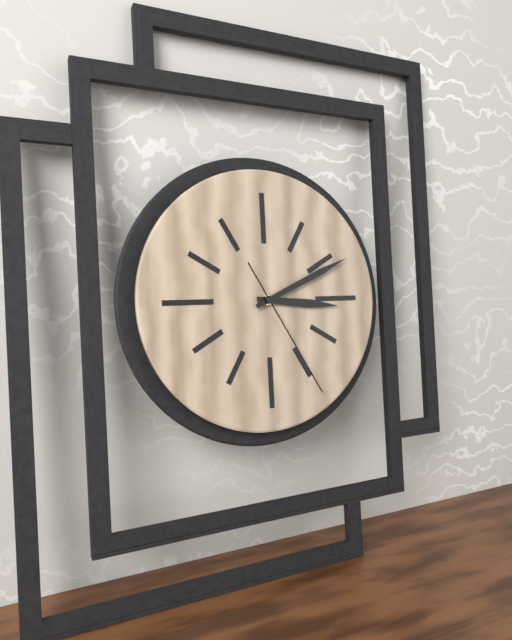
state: 3:11:25
